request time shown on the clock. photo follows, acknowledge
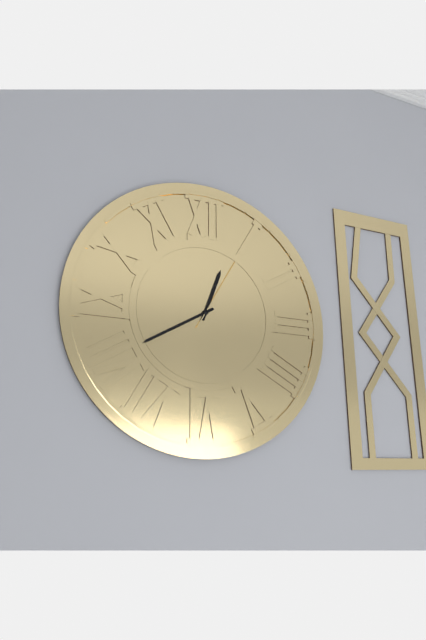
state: 12:40:05
